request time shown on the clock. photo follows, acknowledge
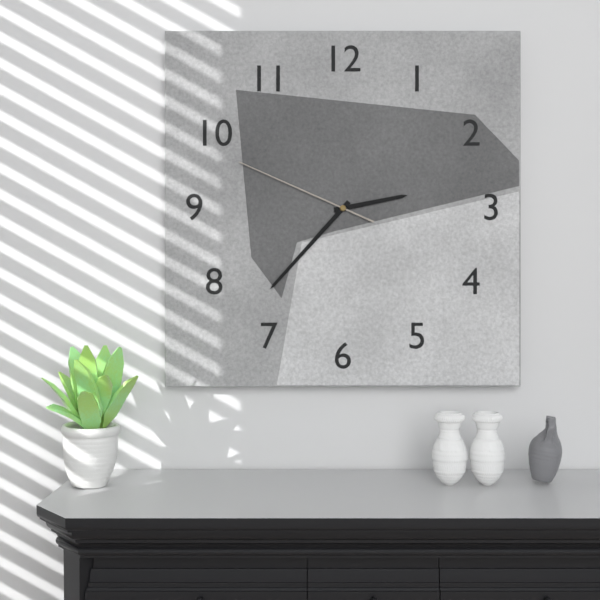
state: 2:37:49
